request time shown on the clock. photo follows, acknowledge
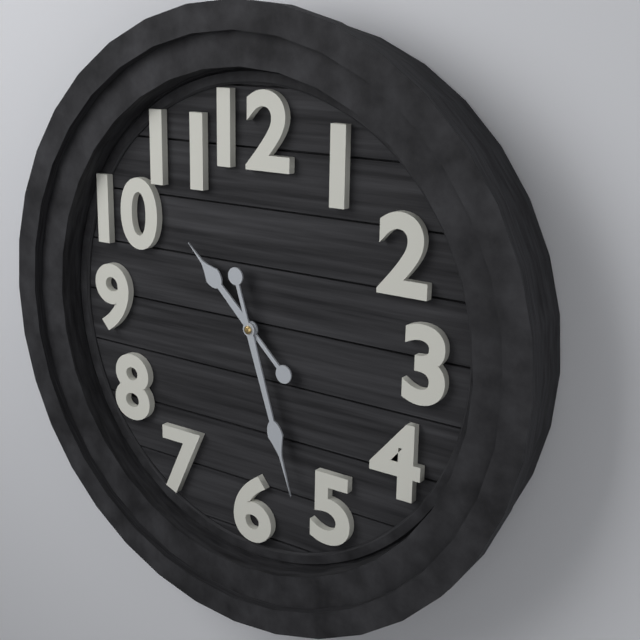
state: 10:27
